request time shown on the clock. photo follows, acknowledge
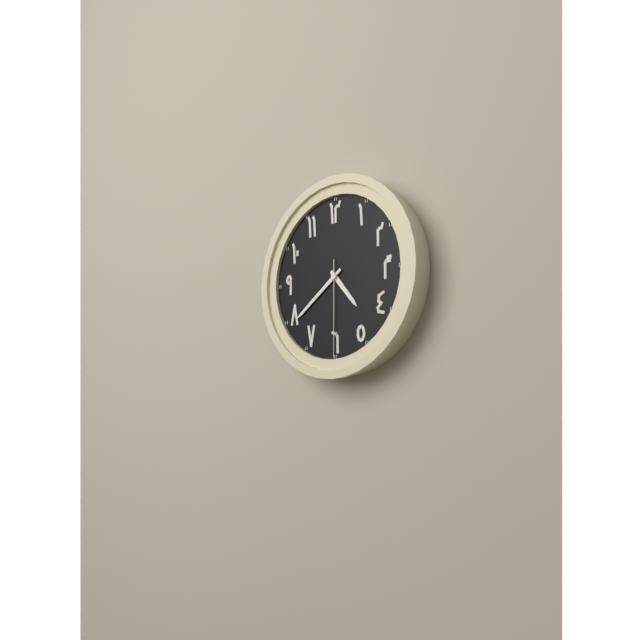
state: 4:39:30
